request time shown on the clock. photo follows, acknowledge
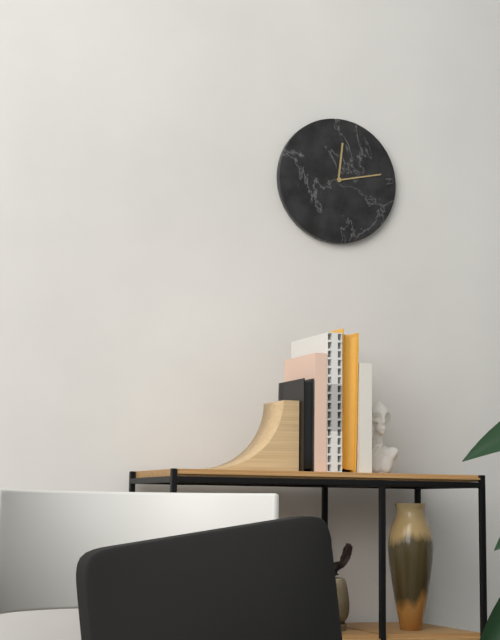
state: 12:13
